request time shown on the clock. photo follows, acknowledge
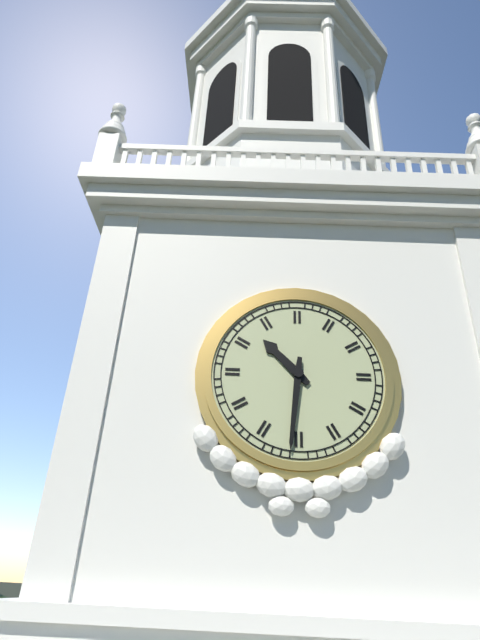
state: 10:31
